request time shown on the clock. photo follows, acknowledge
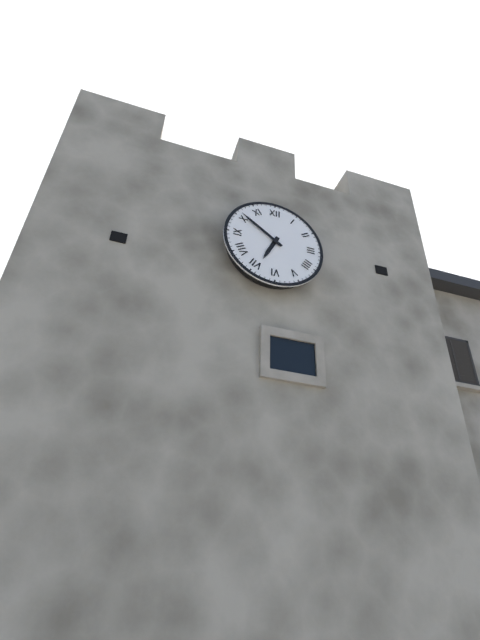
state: 6:51
